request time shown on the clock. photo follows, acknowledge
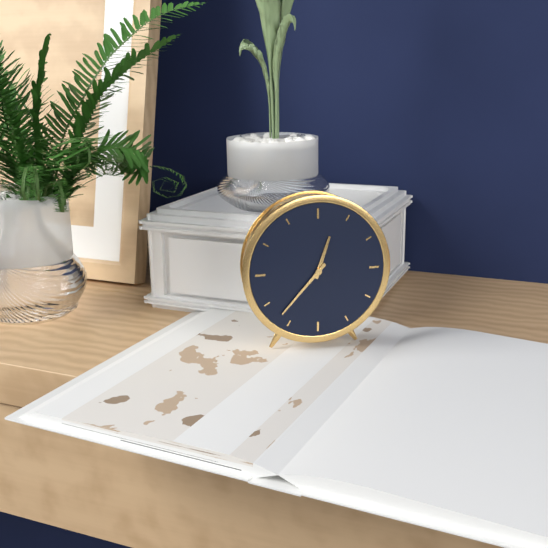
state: 12:37
